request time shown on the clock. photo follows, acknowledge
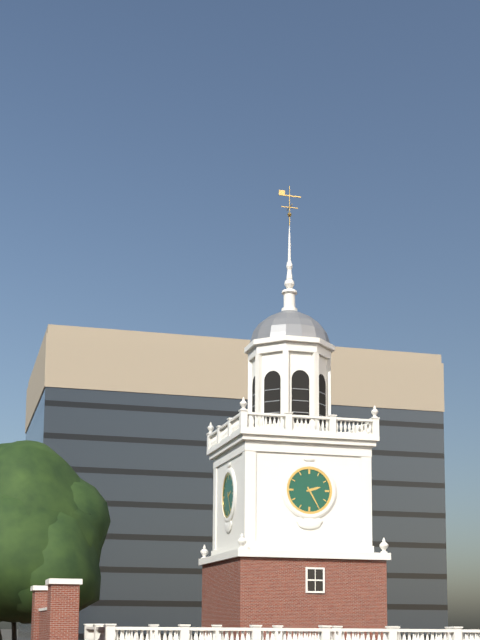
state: 2:25
